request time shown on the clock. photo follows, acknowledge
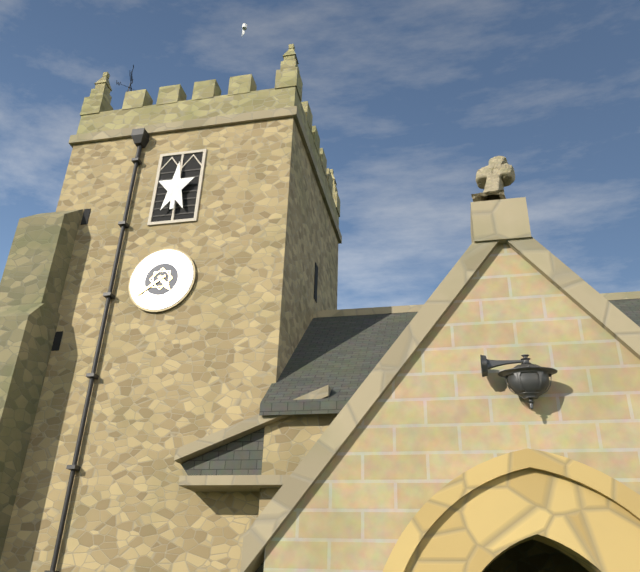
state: 4:39
